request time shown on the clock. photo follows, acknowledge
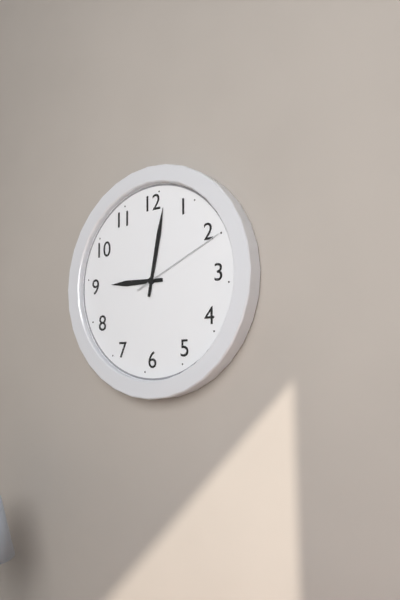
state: 9:02:11
